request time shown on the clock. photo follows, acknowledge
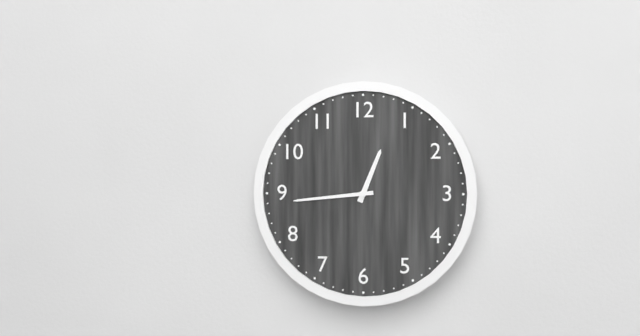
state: 12:44
